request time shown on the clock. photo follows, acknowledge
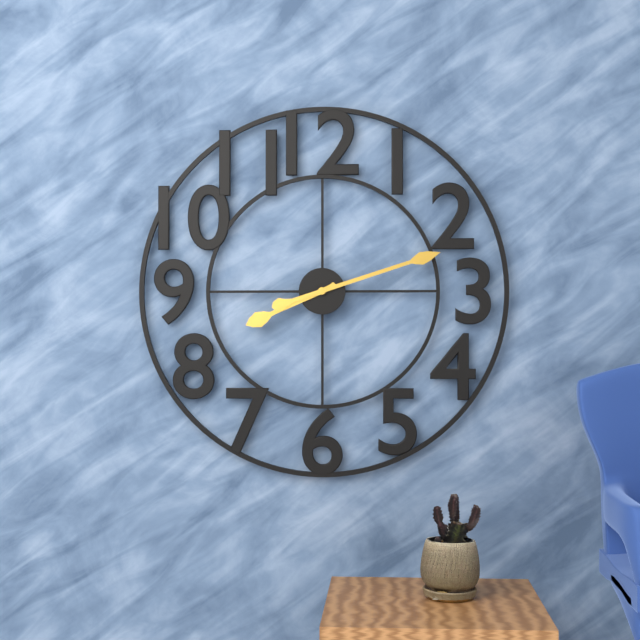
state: 8:12
